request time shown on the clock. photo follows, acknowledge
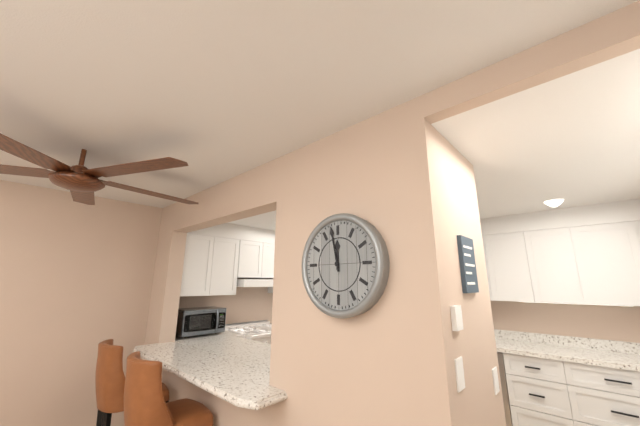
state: 11:58
